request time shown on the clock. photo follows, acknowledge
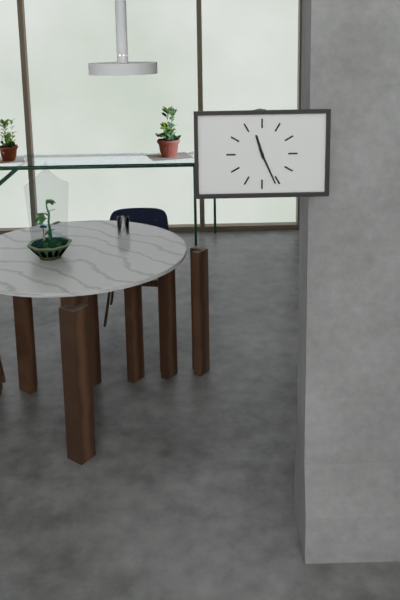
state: 11:26
